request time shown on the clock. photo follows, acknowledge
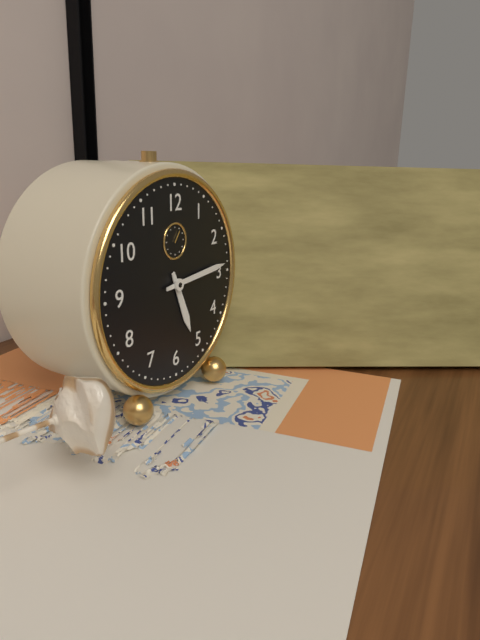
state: 5:14
